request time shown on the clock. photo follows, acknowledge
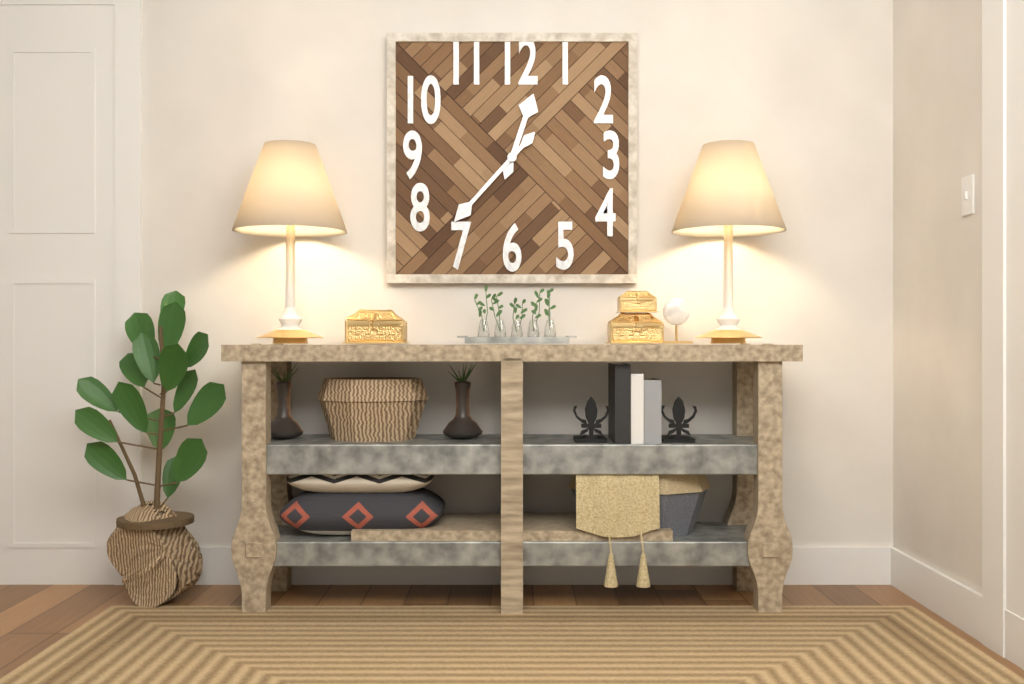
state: 12:37
